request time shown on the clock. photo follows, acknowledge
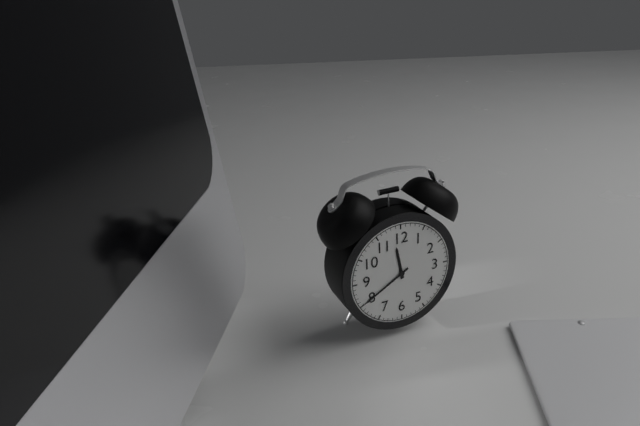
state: 11:40
